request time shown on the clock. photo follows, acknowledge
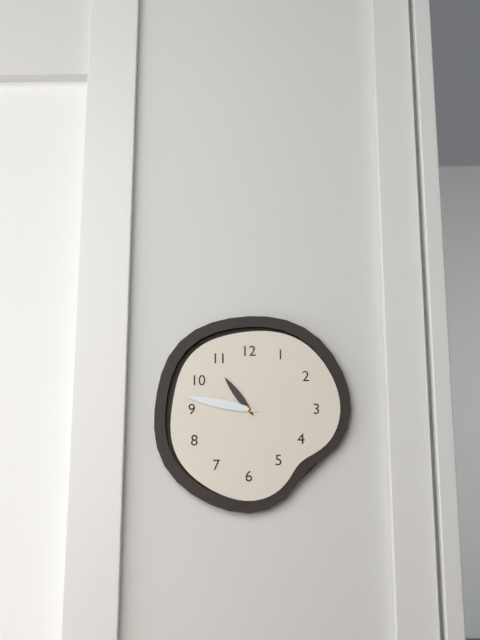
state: 10:47
